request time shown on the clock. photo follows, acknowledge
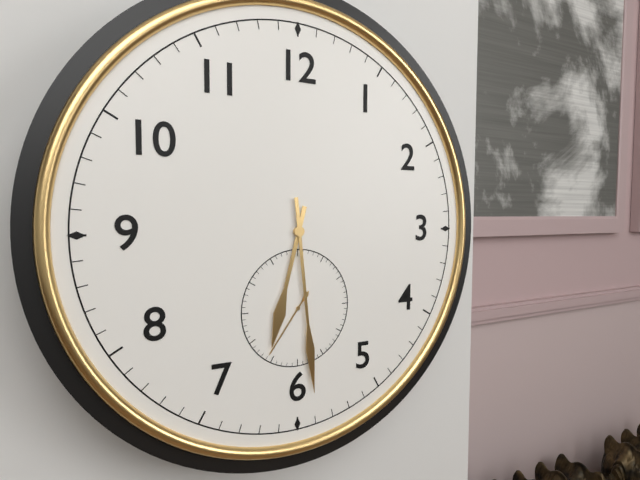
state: 6:29:36
